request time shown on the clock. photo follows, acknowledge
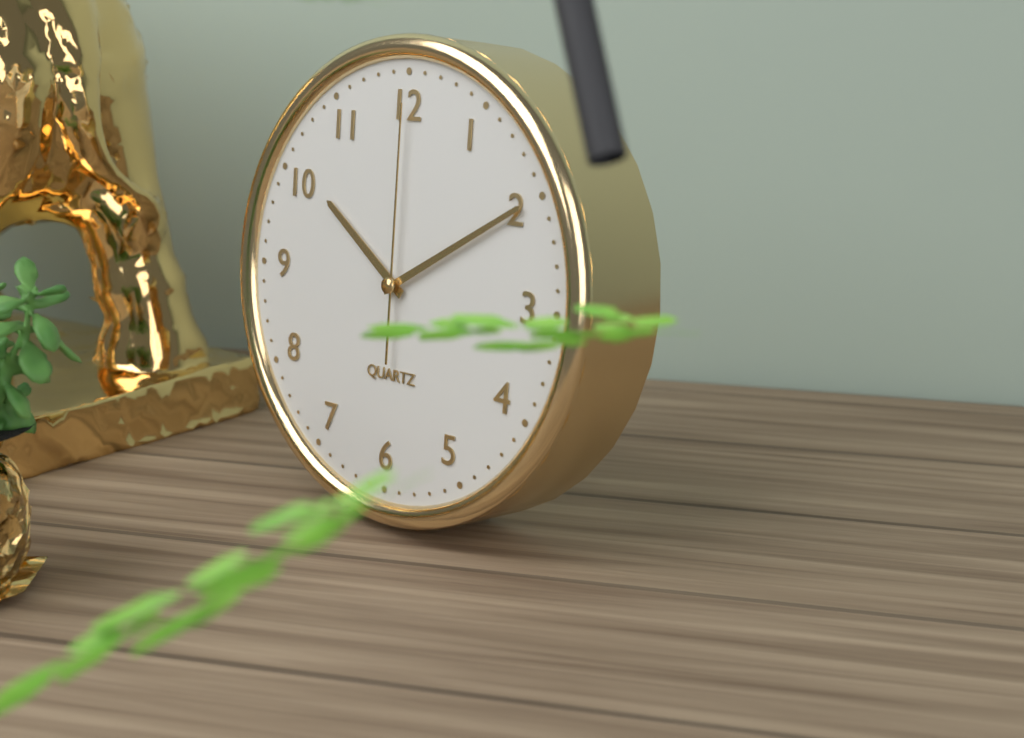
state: 10:10:00
